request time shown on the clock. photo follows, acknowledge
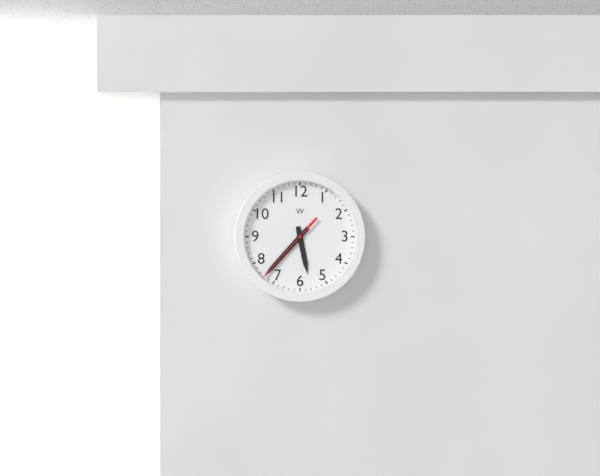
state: 5:37:37
